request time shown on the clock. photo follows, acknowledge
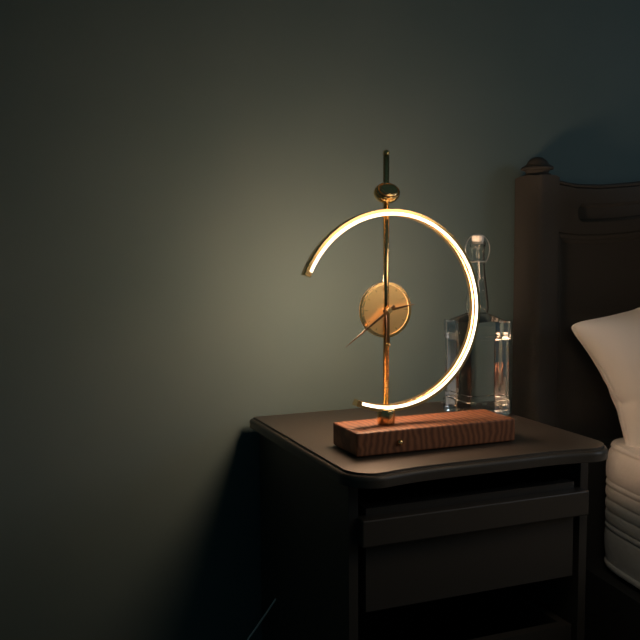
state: 2:39
